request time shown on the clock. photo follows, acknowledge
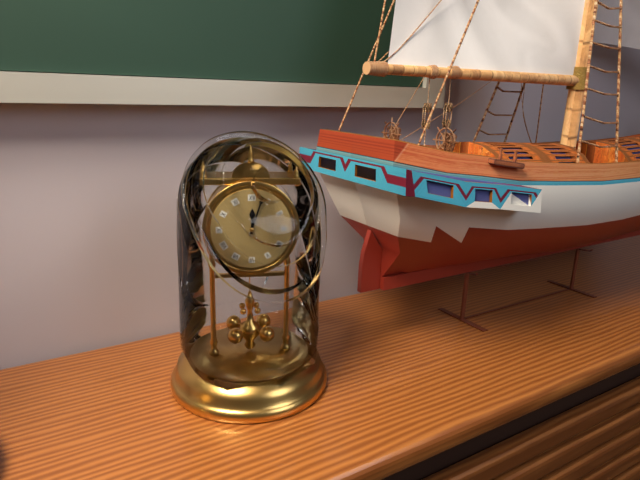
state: 12:03
